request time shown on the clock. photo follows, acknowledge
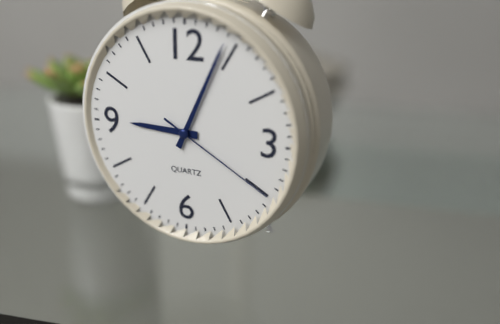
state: 9:04:20
